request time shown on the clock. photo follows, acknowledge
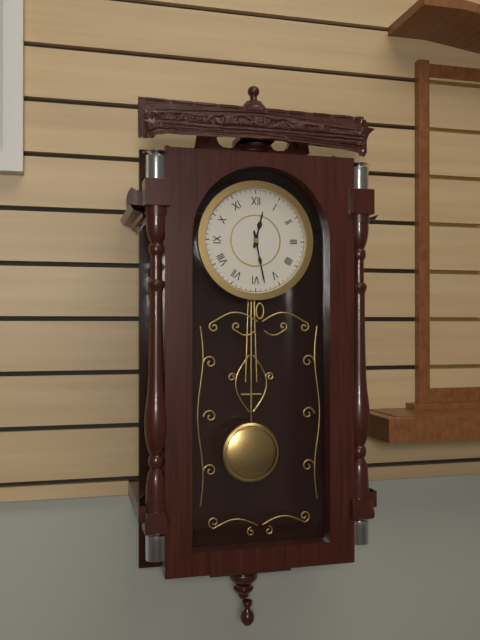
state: 12:28
